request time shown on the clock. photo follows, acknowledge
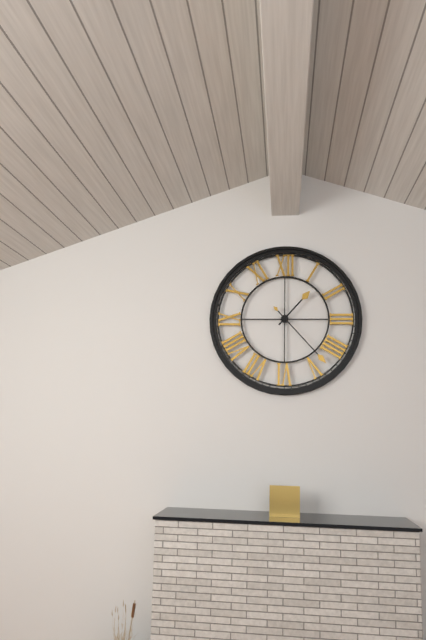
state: 1:23
